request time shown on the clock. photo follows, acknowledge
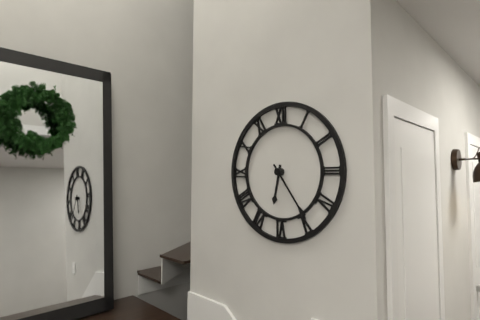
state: 6:24
